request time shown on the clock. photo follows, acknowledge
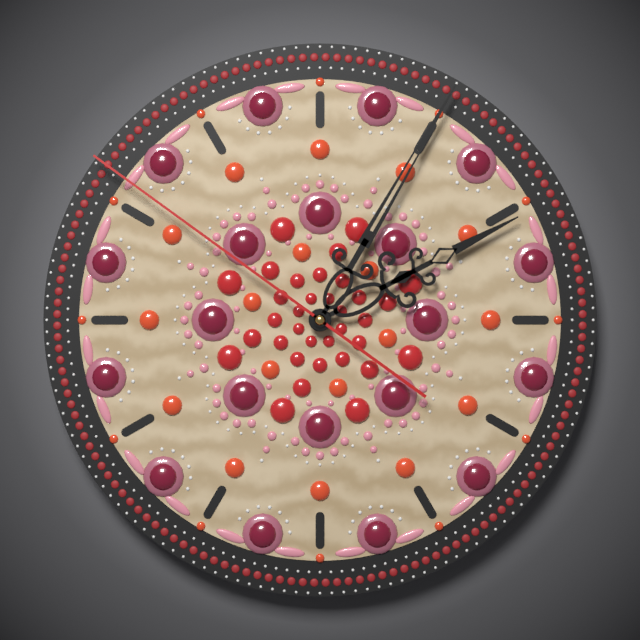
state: 2:05:51
